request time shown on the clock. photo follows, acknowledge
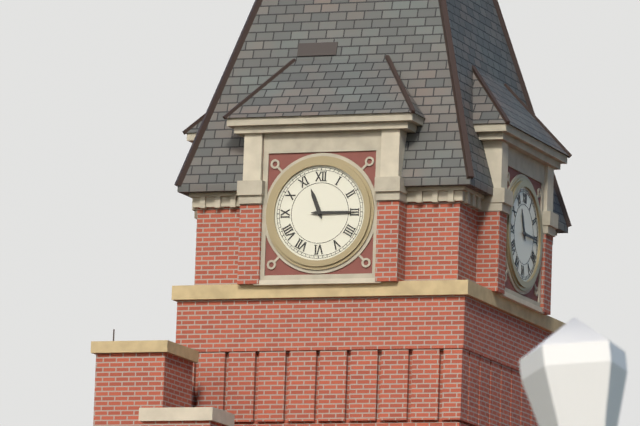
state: 11:15
